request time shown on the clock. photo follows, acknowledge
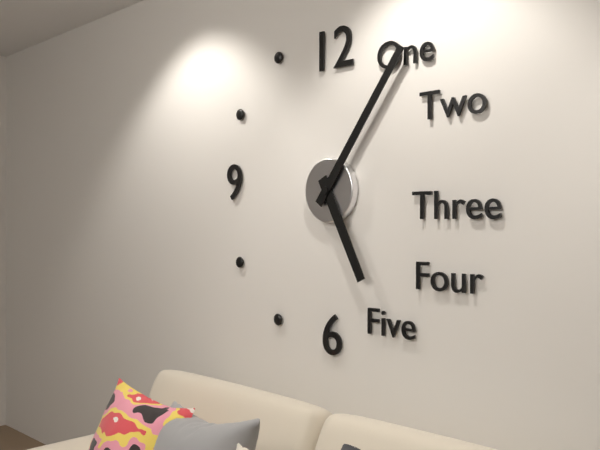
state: 5:06
